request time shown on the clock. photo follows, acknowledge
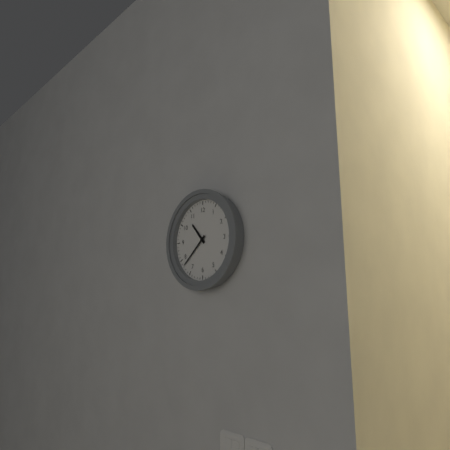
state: 10:38
